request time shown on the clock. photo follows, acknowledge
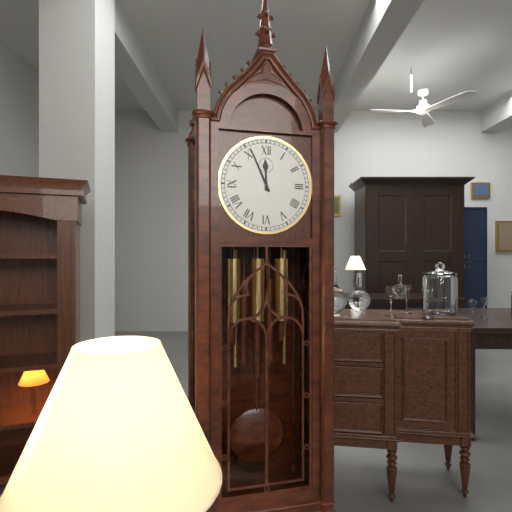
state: 11:56
